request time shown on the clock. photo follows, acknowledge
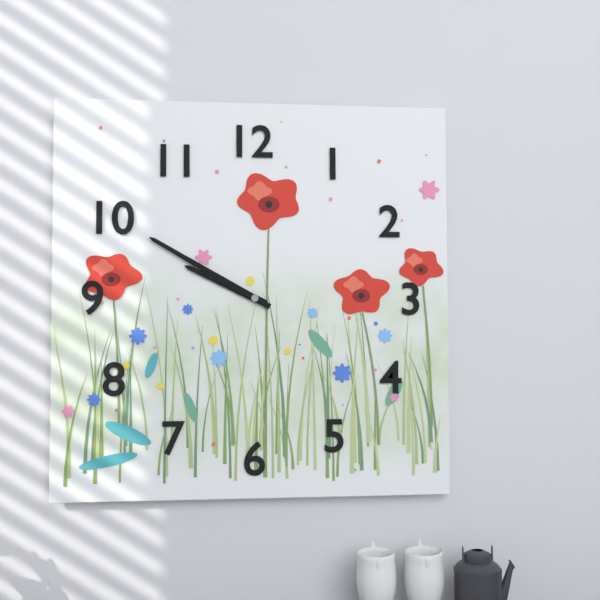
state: 9:50
